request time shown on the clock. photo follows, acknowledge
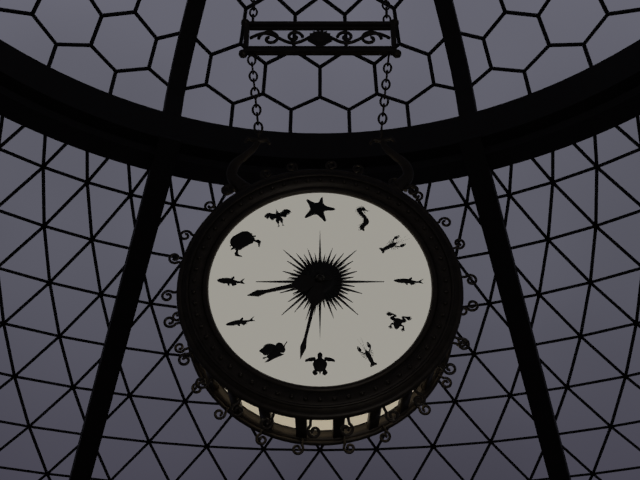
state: 8:32
